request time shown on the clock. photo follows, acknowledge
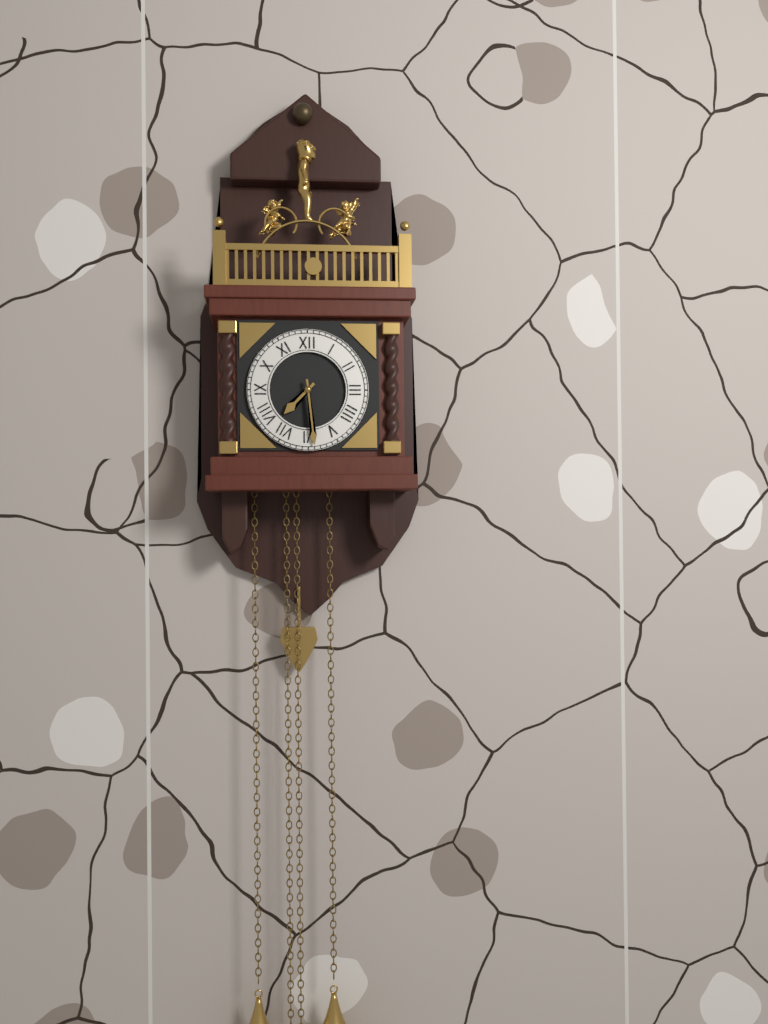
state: 7:29
